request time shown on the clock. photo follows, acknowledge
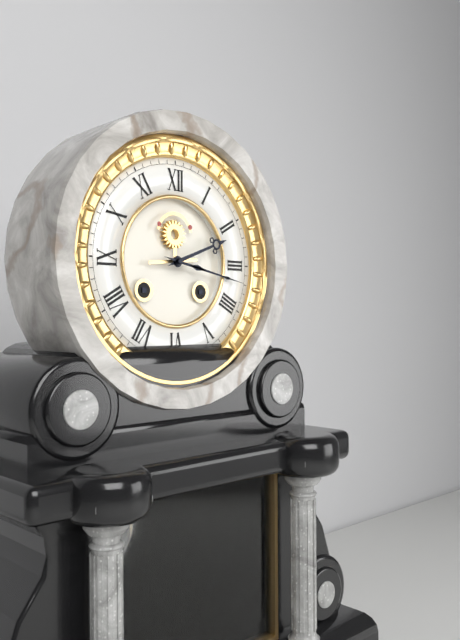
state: 2:17
